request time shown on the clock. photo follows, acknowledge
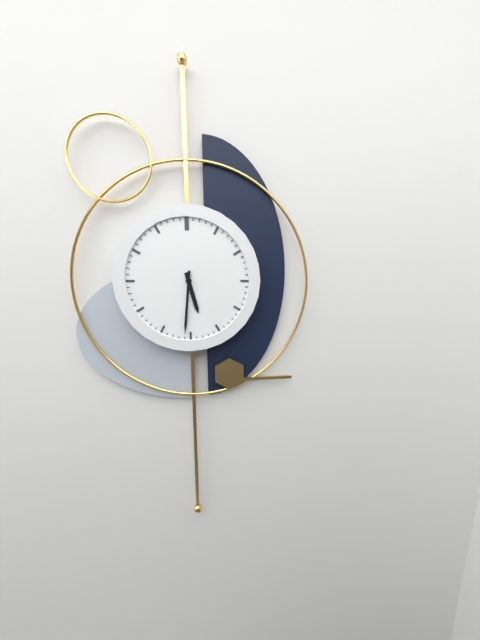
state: 5:31
